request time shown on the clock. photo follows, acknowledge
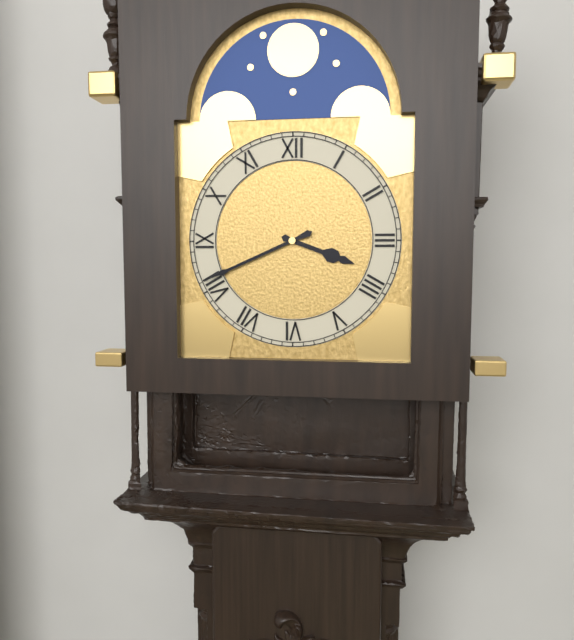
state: 3:41
